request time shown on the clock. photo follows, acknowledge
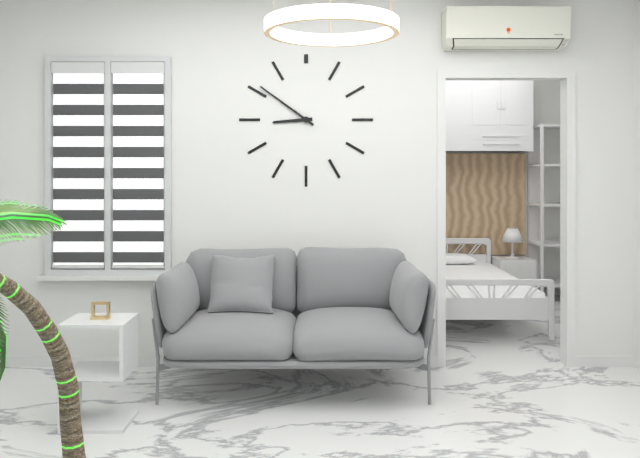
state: 8:51
